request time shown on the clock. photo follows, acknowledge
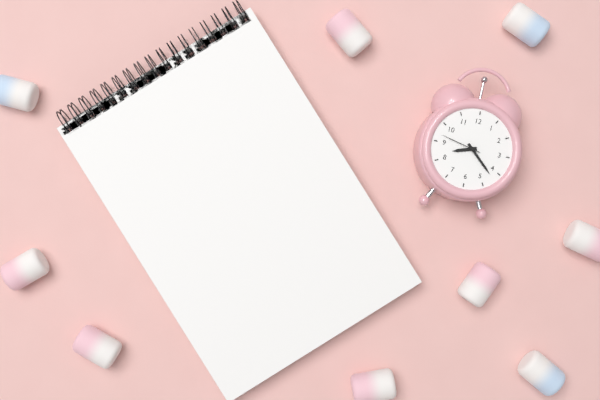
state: 8:22
